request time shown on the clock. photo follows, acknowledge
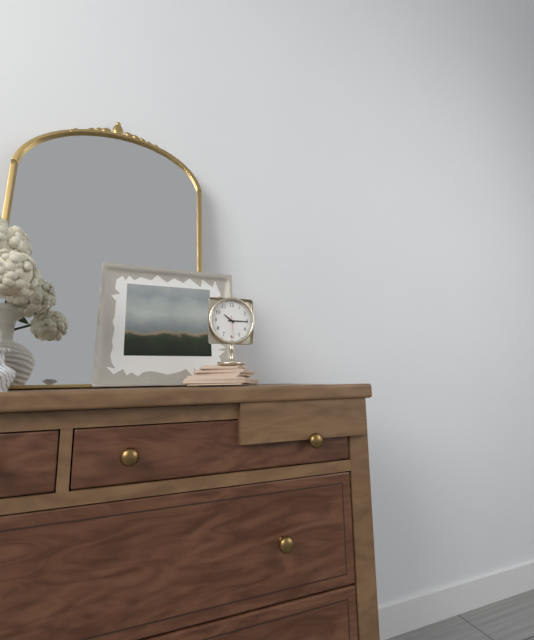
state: 10:15
